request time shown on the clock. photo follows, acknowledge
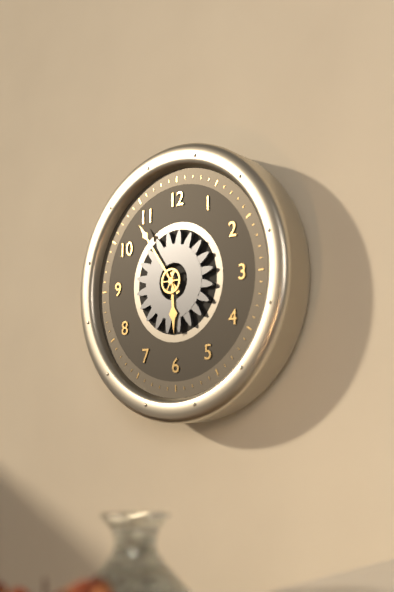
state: 5:54
